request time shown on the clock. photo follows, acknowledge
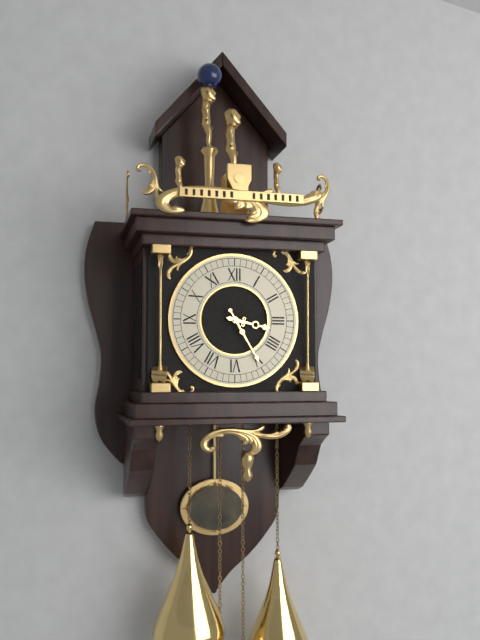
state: 3:25
